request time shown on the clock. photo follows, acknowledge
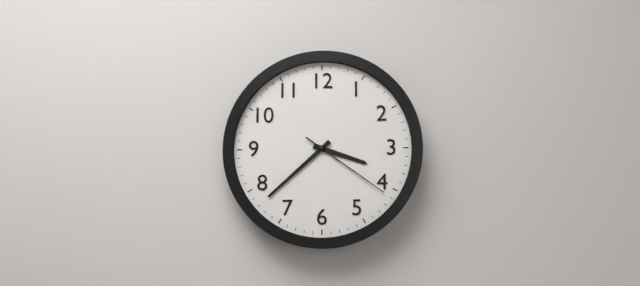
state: 3:38:21
